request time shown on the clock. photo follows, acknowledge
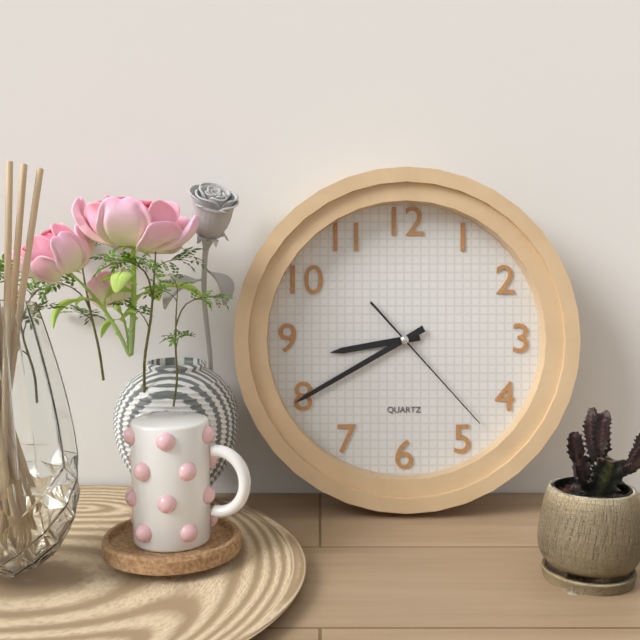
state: 8:40:23
